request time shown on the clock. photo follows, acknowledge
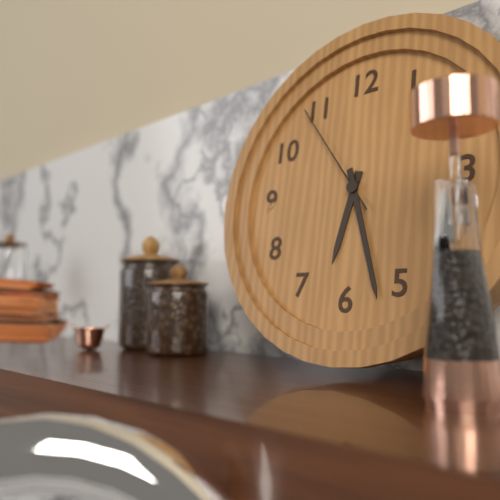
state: 6:27:54
